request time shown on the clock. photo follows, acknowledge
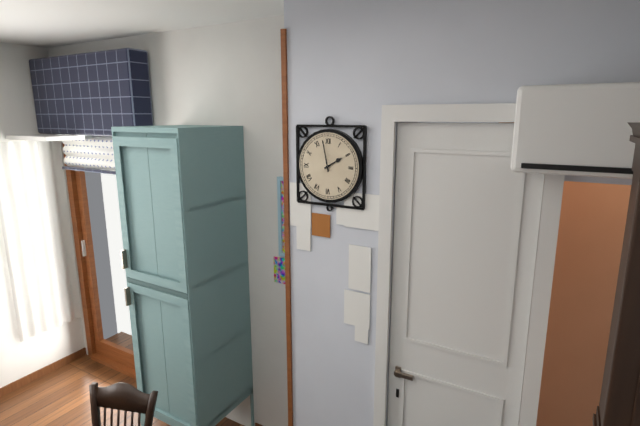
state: 1:58
